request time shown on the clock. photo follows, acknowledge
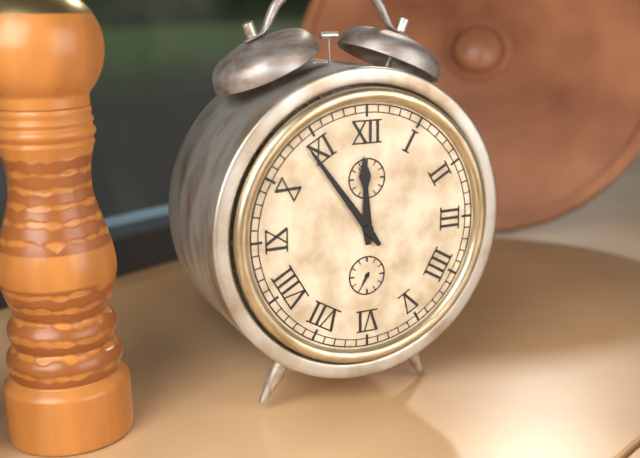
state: 11:54
